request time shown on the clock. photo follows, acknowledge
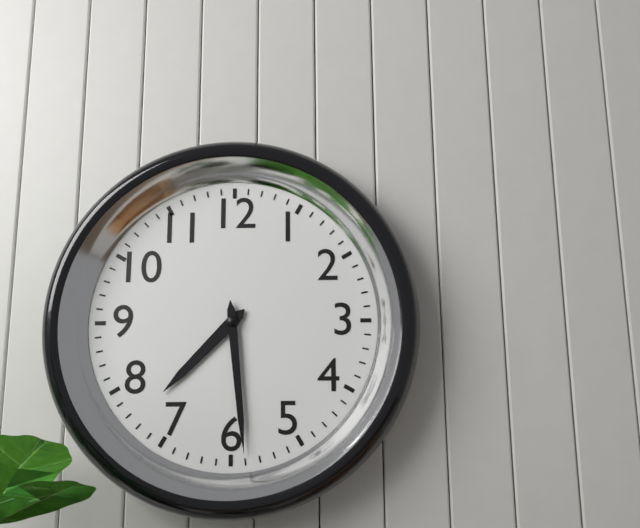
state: 7:29
